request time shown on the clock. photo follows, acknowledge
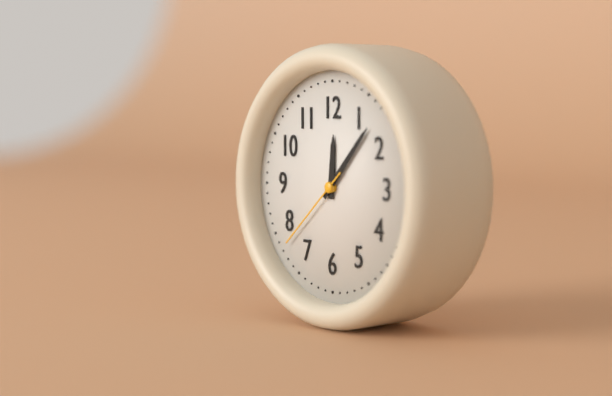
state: 12:07:38
